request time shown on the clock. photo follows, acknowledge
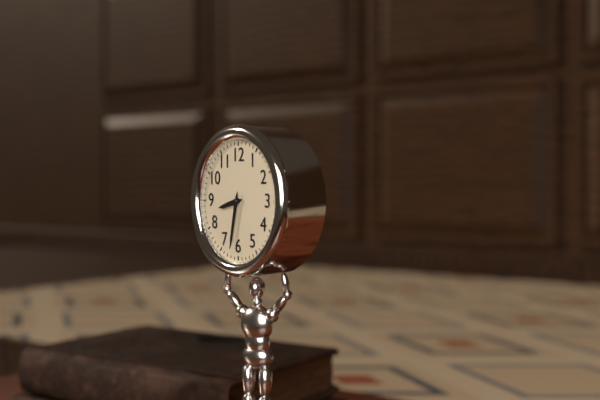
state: 8:32
